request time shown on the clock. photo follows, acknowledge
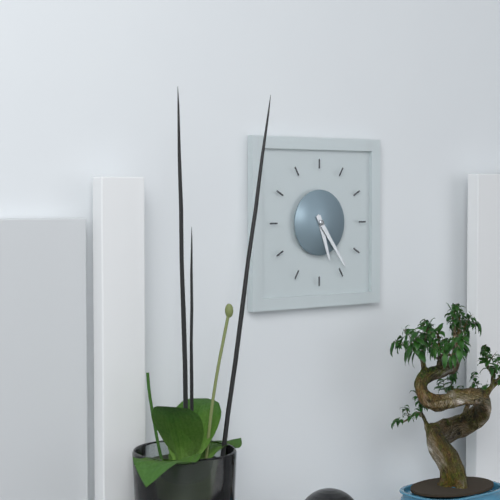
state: 5:24
